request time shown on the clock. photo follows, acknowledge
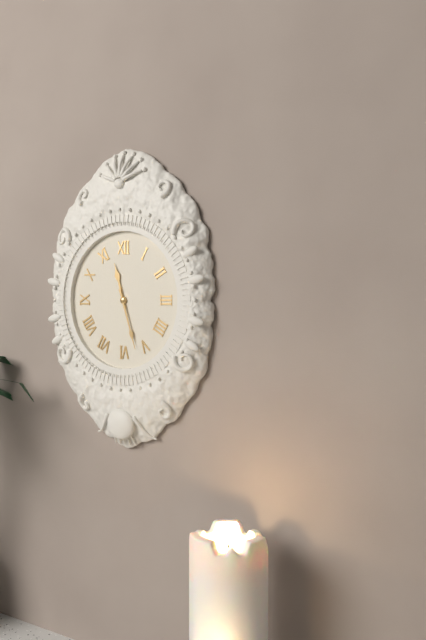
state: 11:27
